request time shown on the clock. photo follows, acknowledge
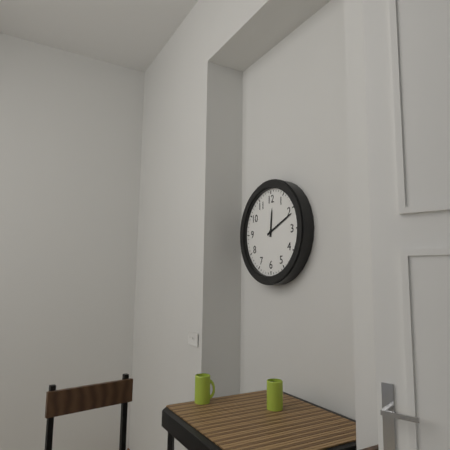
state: 12:11
